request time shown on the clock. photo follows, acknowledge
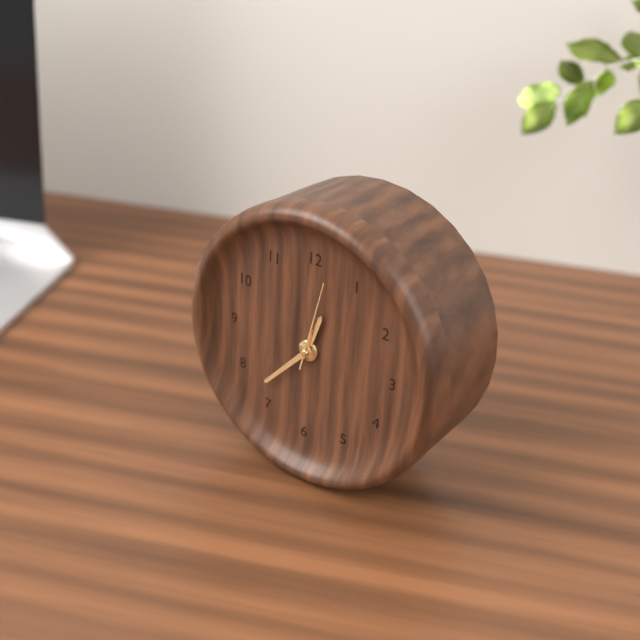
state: 12:37:02
